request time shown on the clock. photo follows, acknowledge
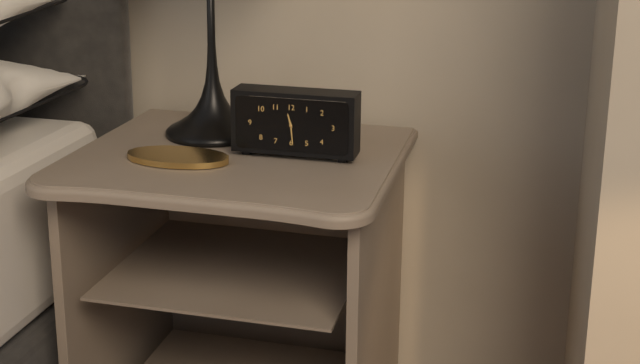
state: 11:29
